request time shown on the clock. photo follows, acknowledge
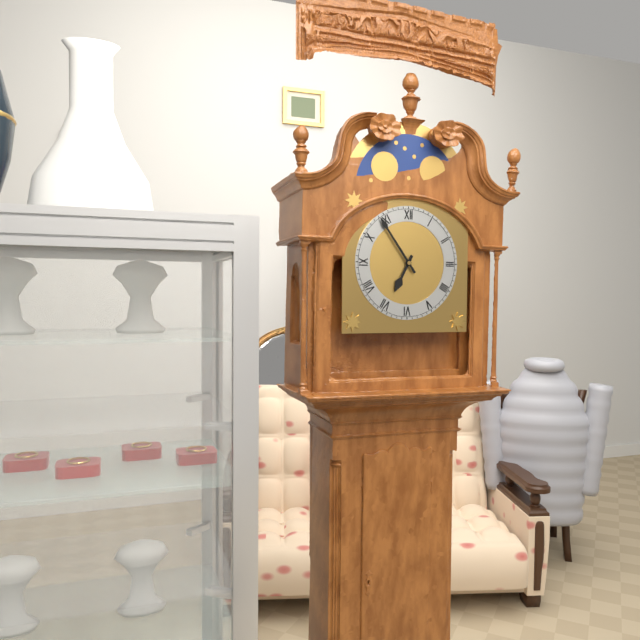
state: 6:54
